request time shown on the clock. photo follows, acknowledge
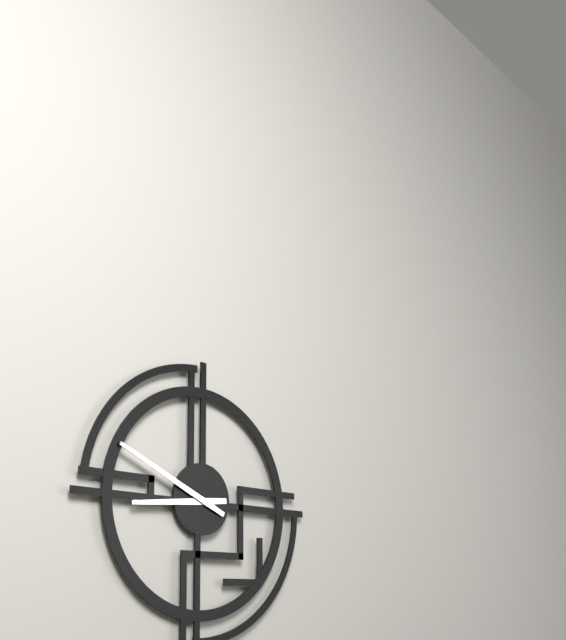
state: 8:49
